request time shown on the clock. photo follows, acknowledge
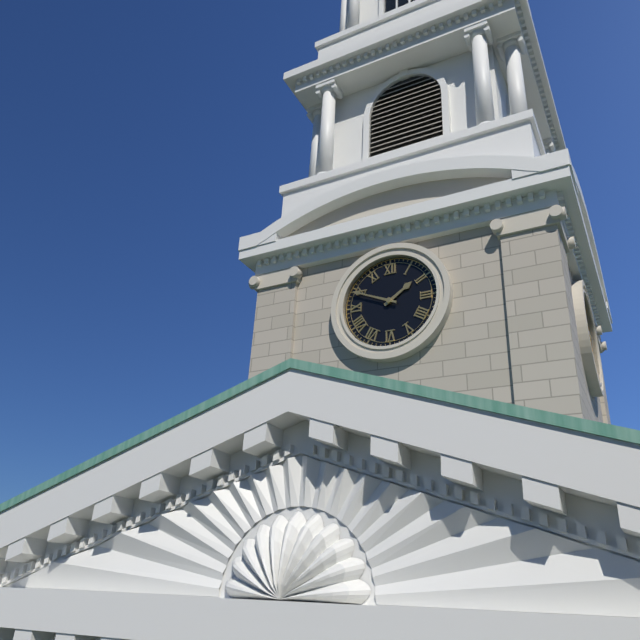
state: 1:49
